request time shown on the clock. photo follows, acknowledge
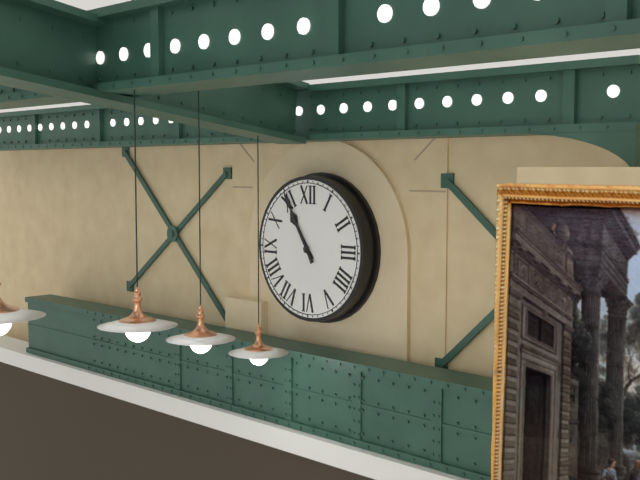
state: 10:55
